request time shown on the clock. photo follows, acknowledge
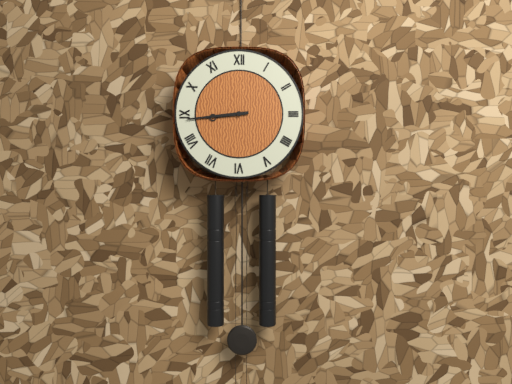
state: 8:44
